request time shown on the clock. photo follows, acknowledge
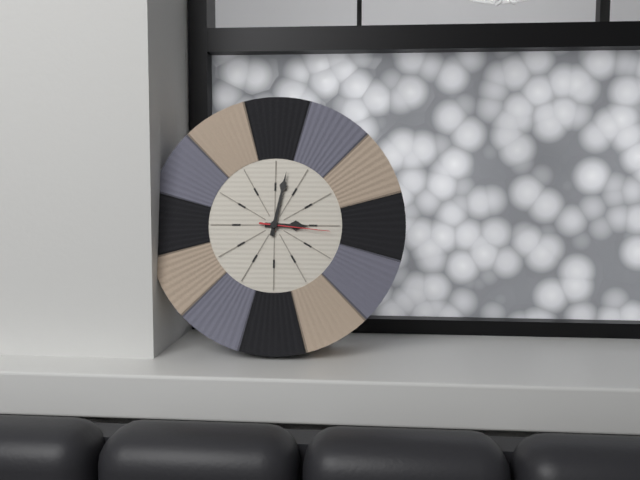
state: 3:02:16
